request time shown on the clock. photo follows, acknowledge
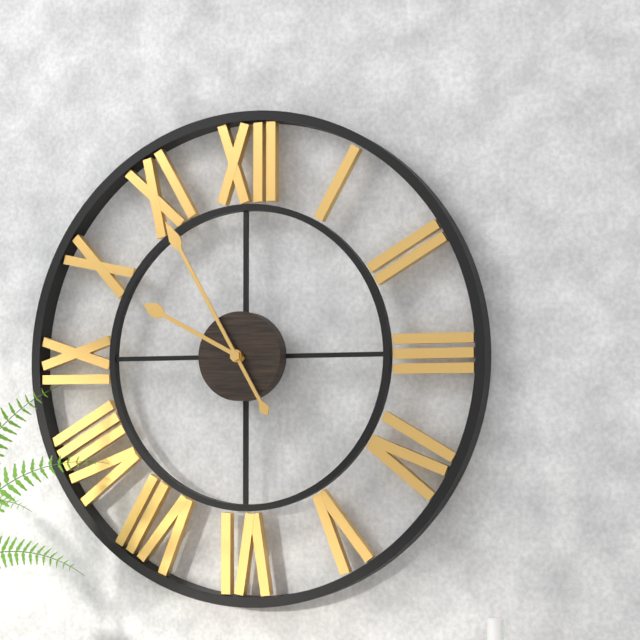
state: 9:55
